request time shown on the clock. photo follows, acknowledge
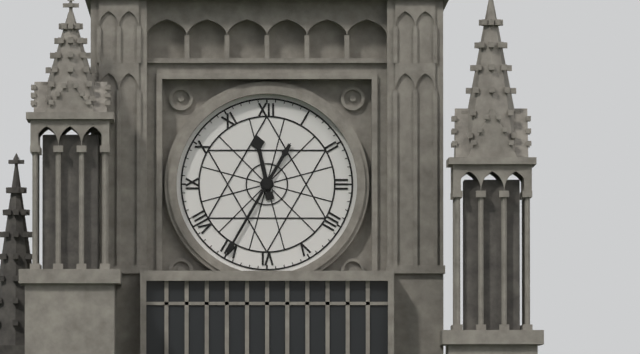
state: 11:35
